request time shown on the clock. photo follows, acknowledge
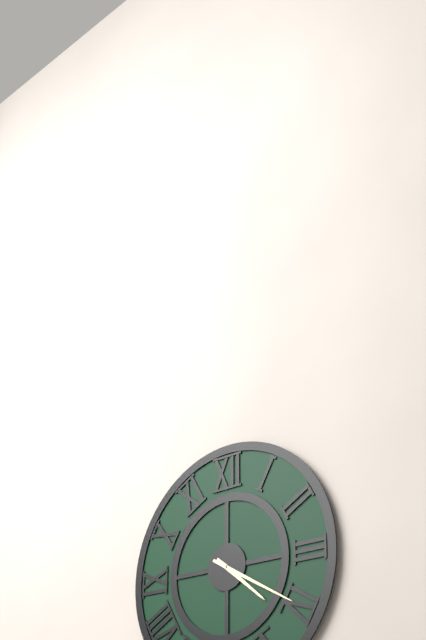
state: 4:20
